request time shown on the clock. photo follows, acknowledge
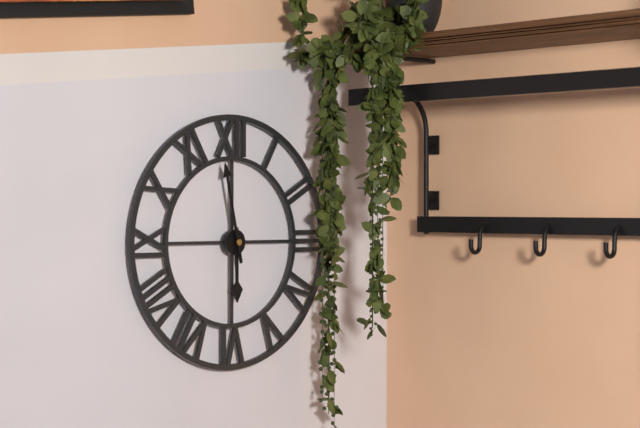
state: 5:58
